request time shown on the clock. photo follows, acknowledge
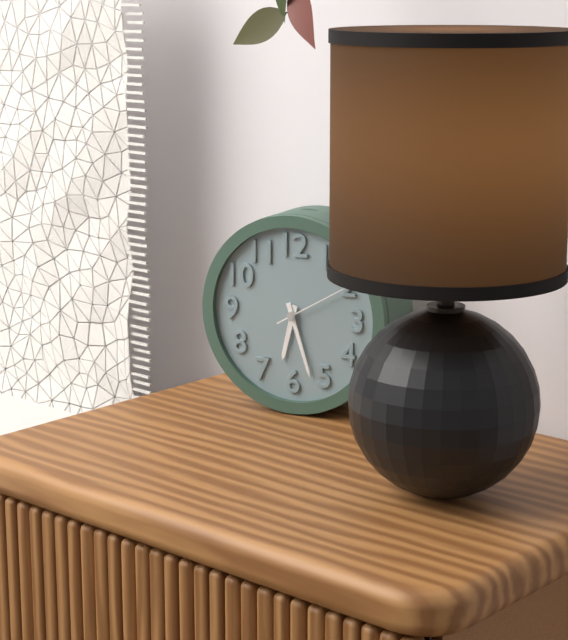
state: 6:27:10
